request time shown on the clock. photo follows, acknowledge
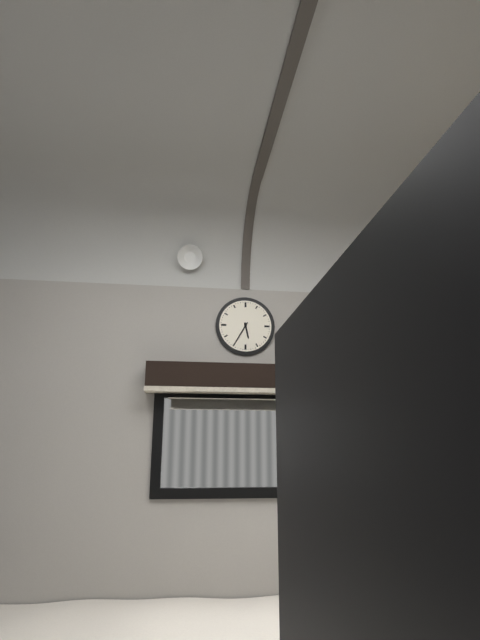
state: 5:35
